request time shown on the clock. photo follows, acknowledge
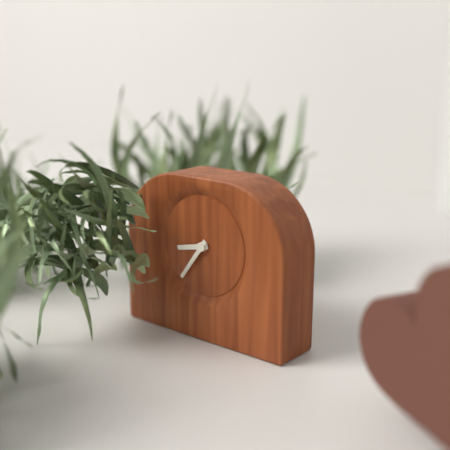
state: 8:36
